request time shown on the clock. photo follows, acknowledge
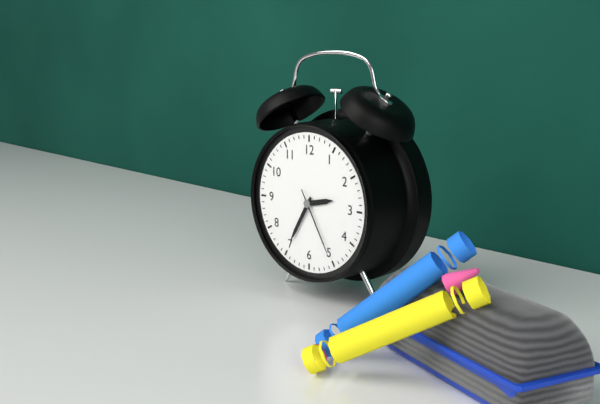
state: 2:35:25
